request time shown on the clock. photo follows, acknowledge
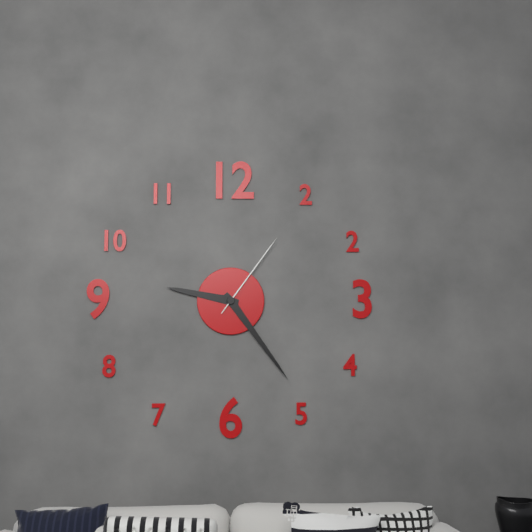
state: 9:24:06
